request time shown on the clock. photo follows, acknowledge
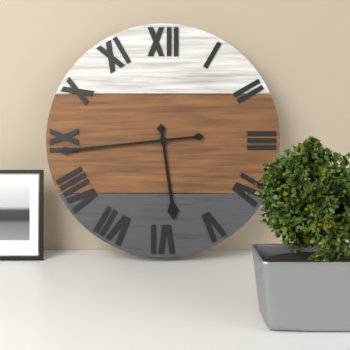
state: 5:44
